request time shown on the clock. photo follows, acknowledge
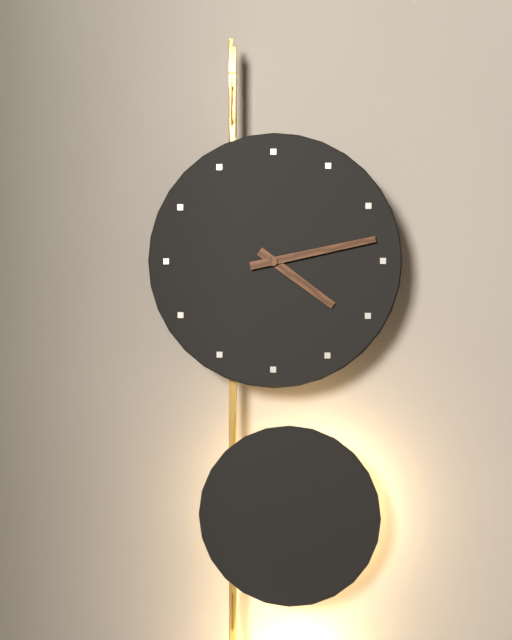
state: 4:13
